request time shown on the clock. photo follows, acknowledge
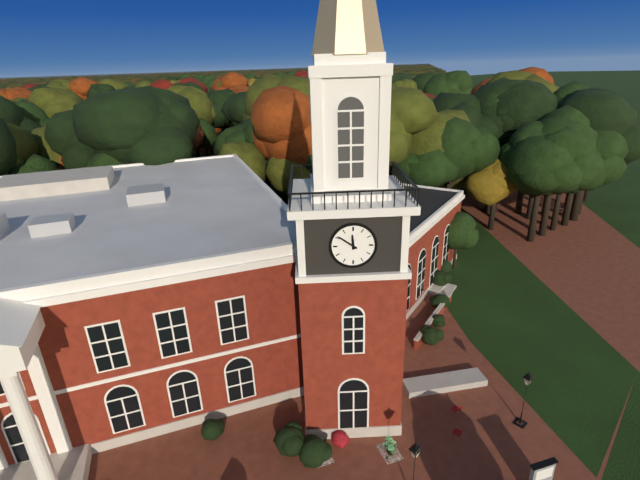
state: 11:51
